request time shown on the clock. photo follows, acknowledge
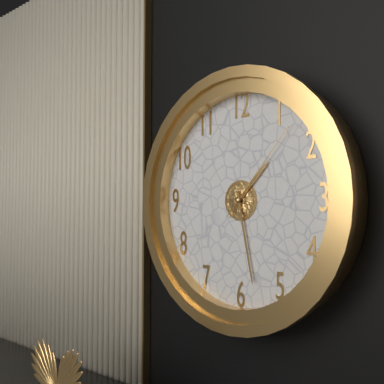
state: 1:28:07
